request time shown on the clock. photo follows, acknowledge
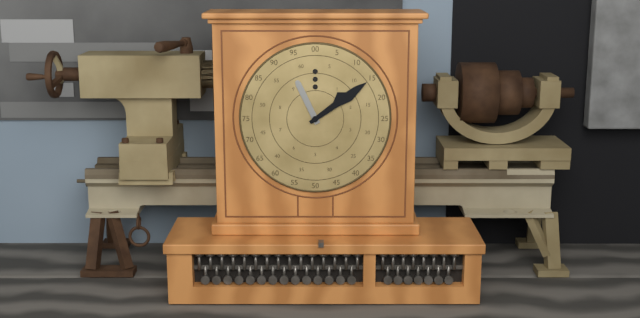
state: 11:09
